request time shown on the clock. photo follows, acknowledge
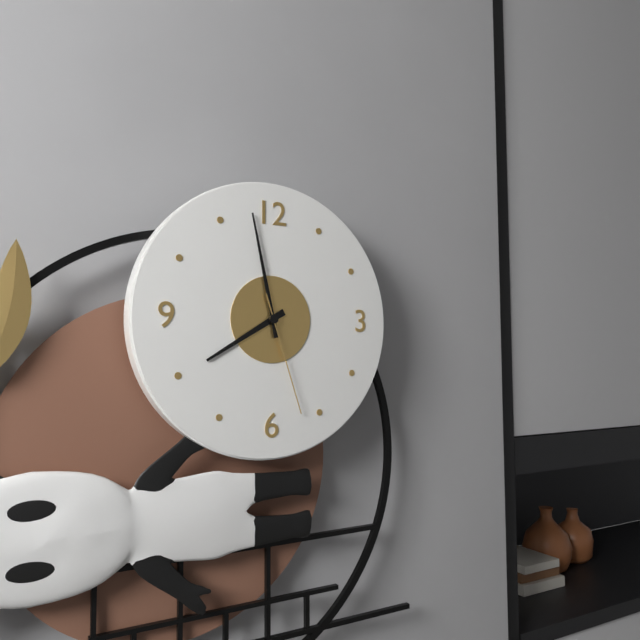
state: 7:58:27
